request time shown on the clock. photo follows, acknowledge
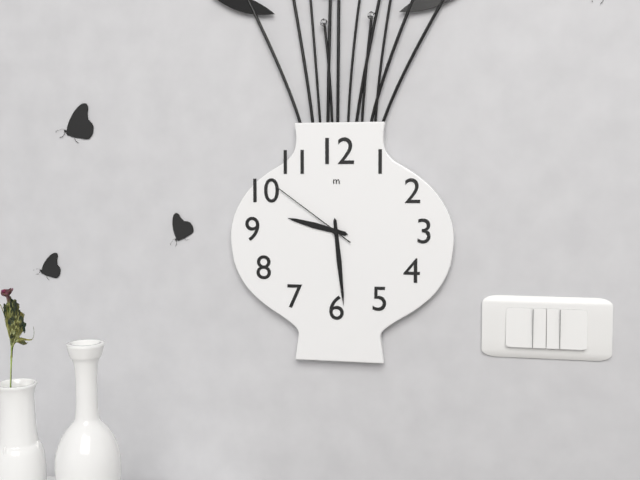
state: 9:29:51
